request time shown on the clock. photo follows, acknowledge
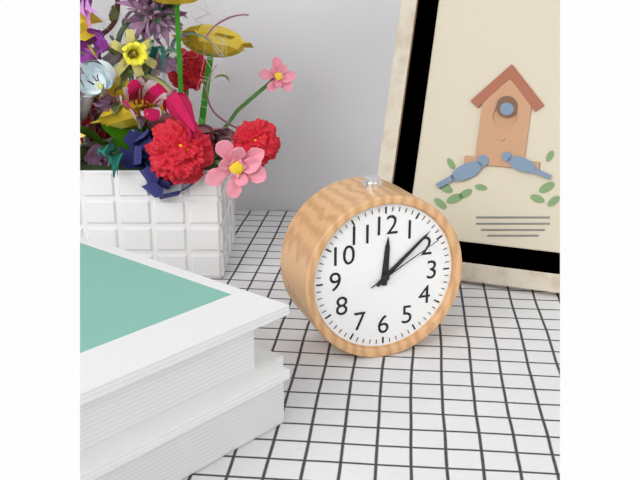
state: 12:08:10
